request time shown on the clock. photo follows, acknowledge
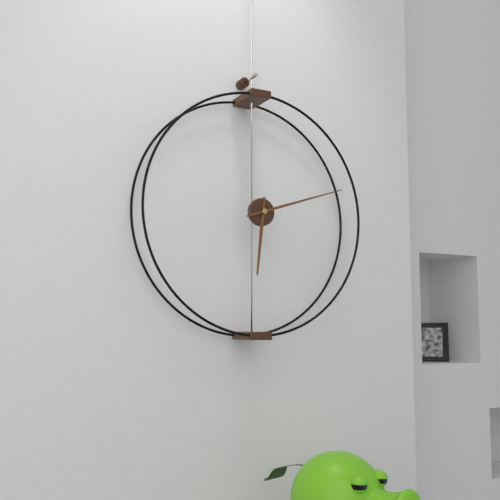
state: 6:12
